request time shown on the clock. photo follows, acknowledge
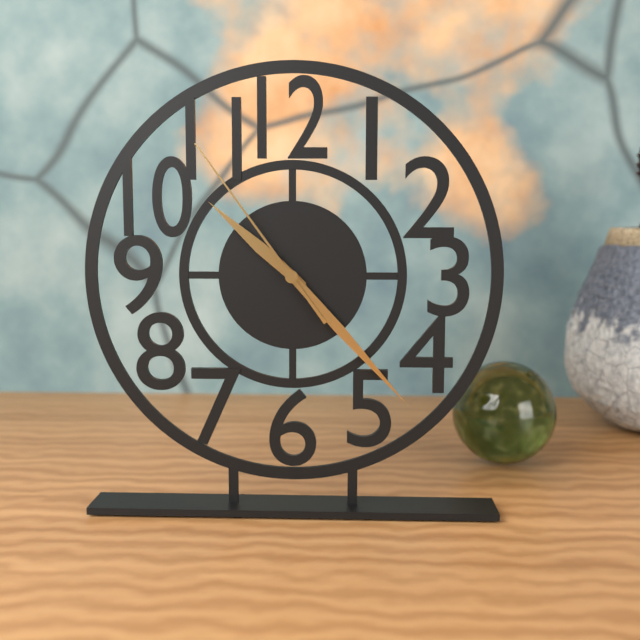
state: 10:23:54
